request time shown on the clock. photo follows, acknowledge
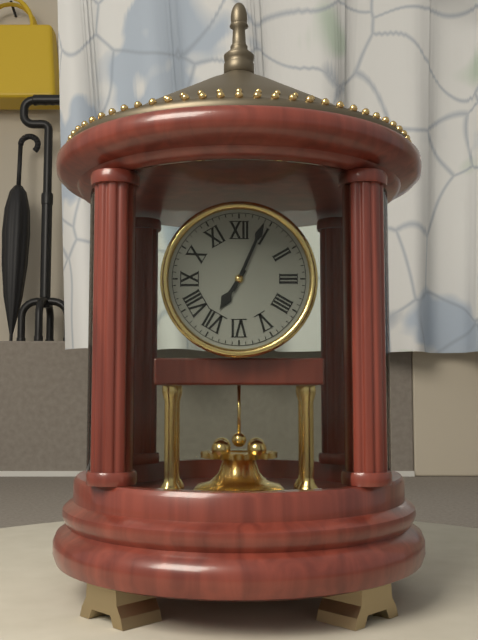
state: 7:04
